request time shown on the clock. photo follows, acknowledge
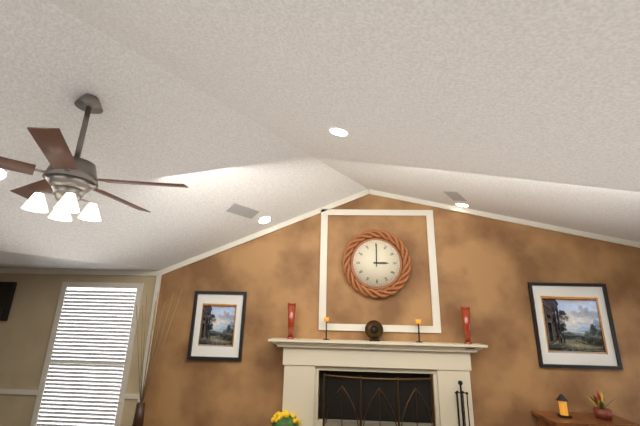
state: 3:00
